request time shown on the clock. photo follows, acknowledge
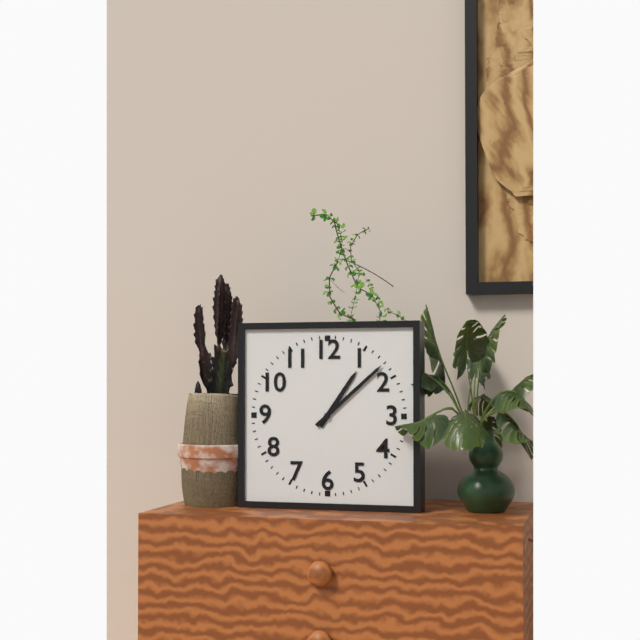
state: 1:08
